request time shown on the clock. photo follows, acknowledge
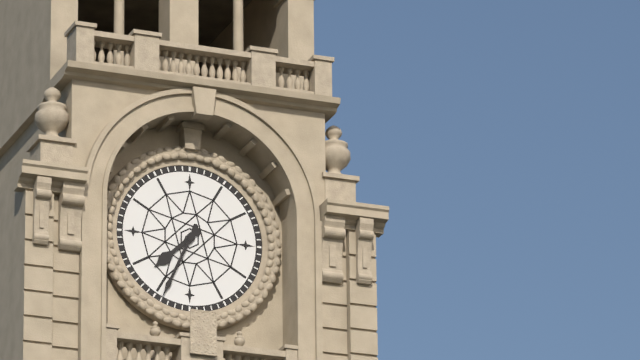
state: 7:34
